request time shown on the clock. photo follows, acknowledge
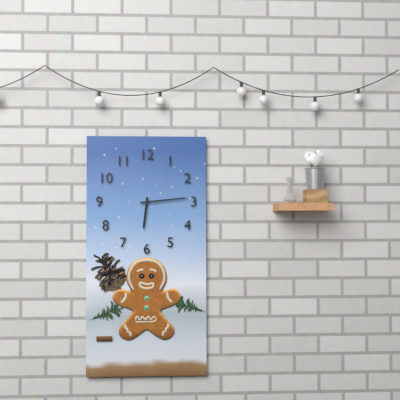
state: 6:14
